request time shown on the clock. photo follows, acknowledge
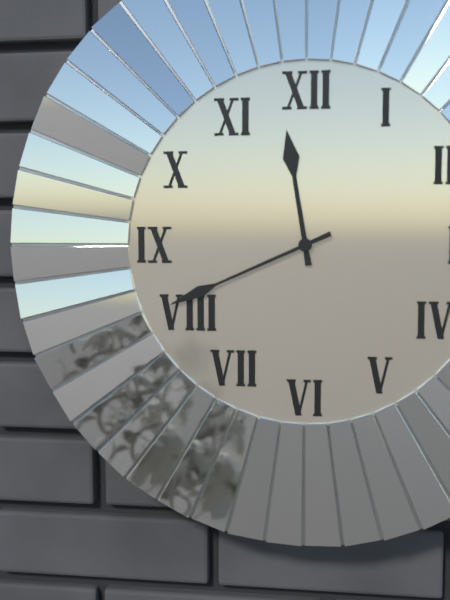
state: 11:41
